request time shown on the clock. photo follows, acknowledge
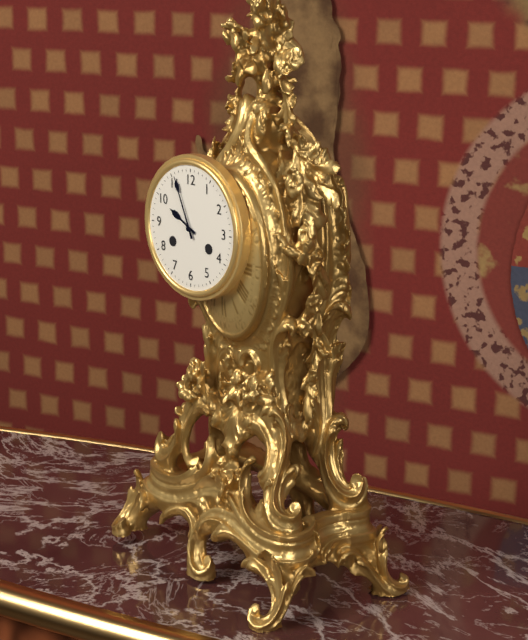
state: 9:56
